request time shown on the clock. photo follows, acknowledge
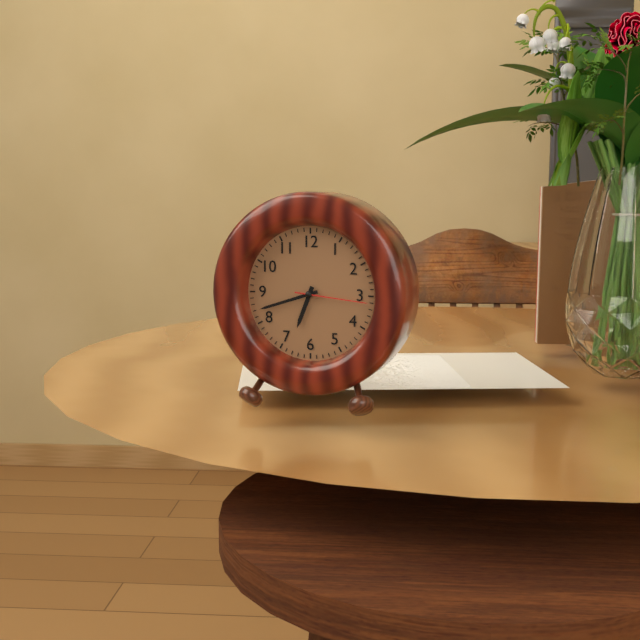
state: 6:42:16
